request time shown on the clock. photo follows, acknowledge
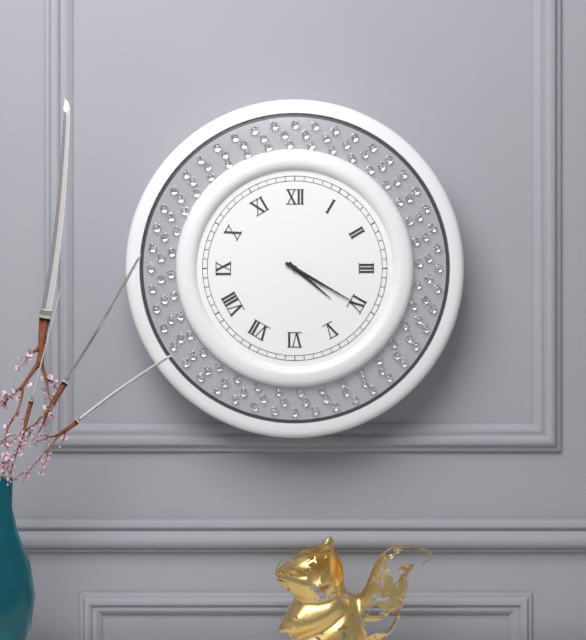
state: 4:20
